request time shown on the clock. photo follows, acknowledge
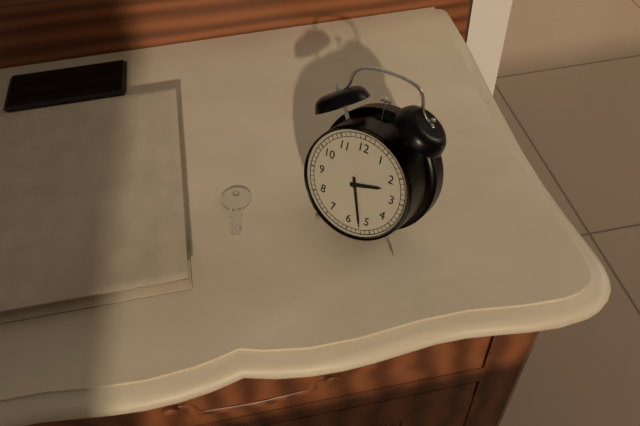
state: 2:27
